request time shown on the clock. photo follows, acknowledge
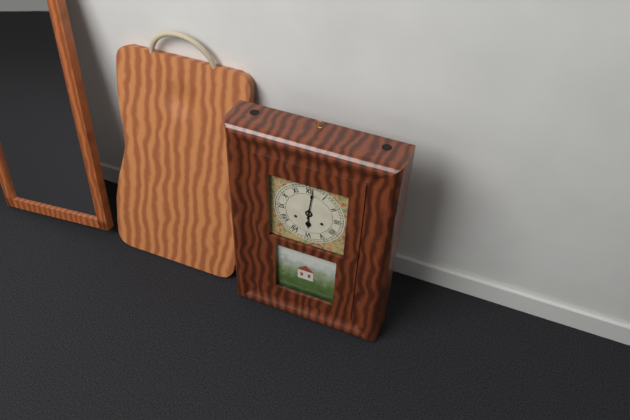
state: 6:01
